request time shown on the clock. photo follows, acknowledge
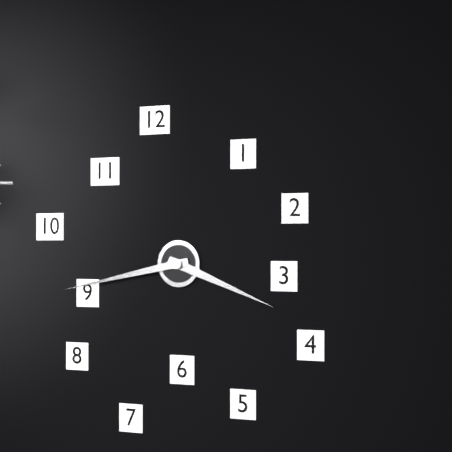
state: 3:43
